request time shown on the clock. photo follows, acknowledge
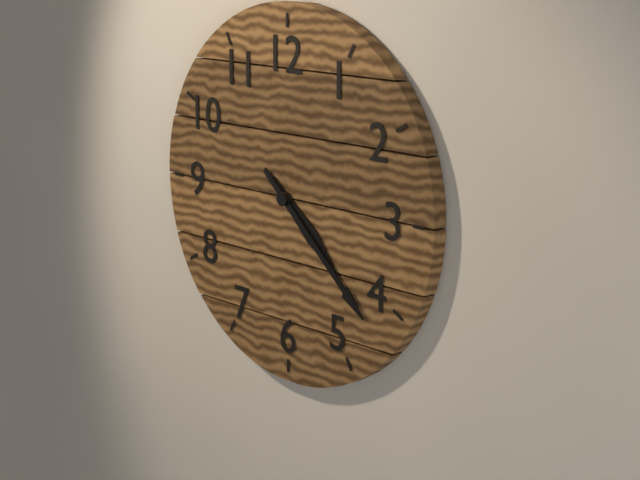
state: 4:22
